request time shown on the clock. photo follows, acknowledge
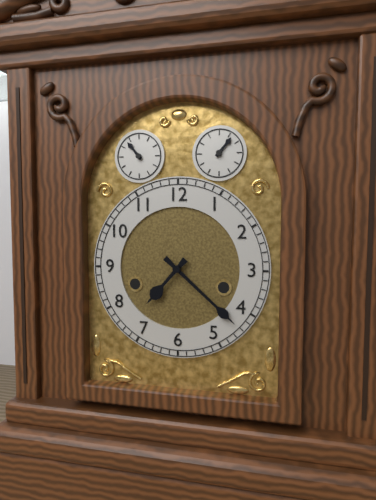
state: 7:22
